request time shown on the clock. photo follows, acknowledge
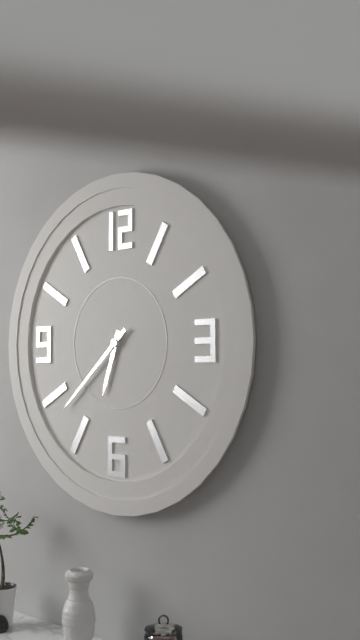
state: 6:38
